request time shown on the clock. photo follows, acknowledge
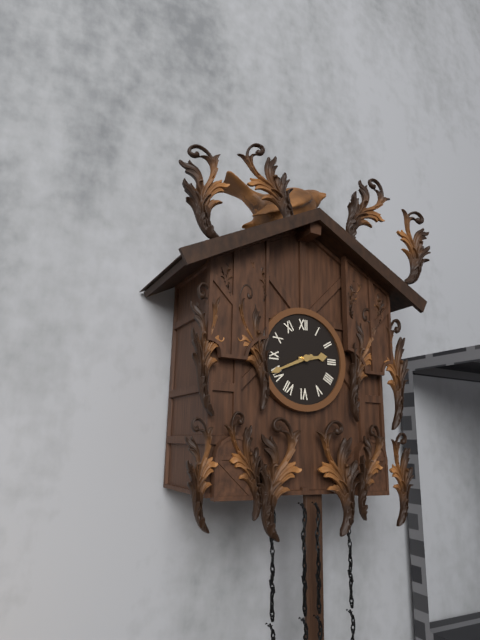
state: 2:41
